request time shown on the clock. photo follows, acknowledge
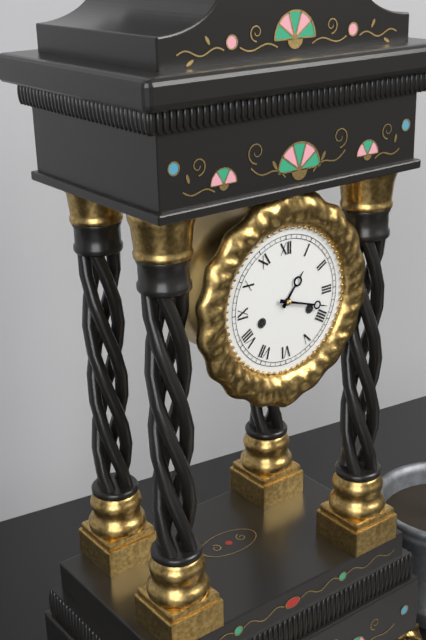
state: 1:18
